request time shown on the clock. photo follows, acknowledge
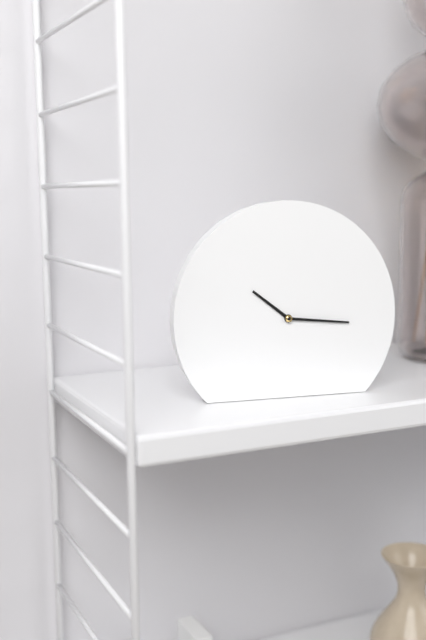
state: 10:16
